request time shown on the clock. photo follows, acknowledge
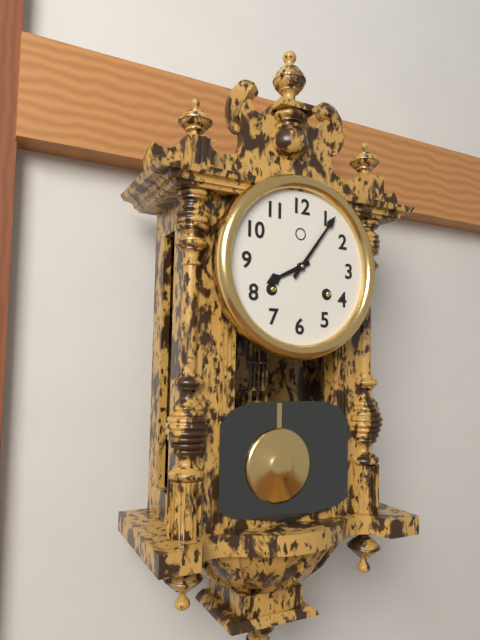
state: 8:06
